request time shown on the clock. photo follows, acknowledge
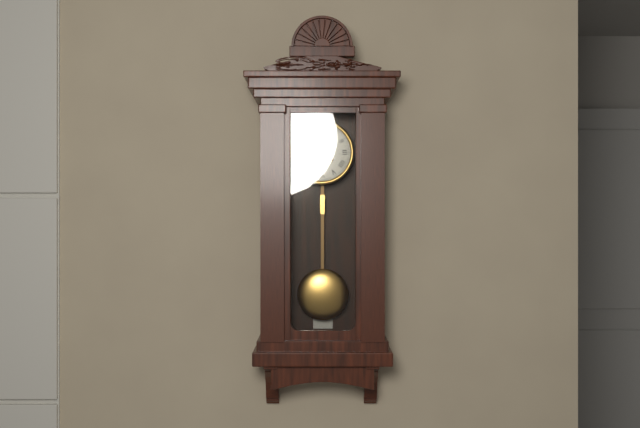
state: 1:38
